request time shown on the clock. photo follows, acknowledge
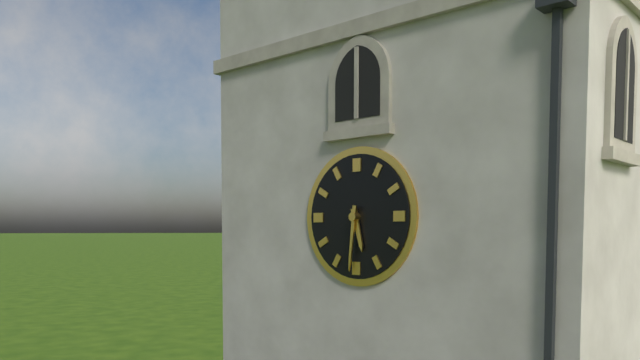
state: 5:31
